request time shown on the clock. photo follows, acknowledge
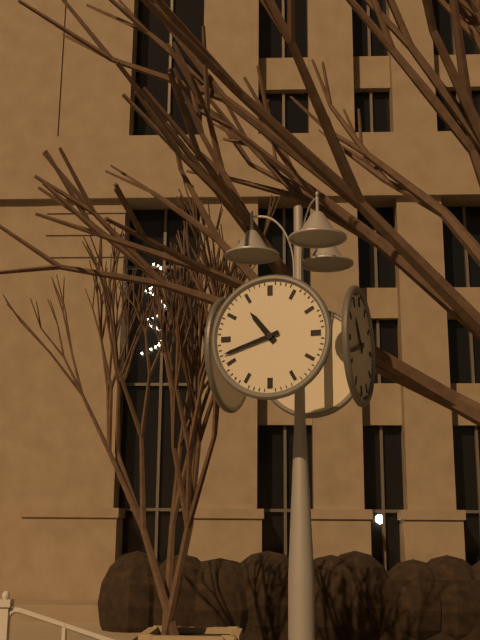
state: 10:42
